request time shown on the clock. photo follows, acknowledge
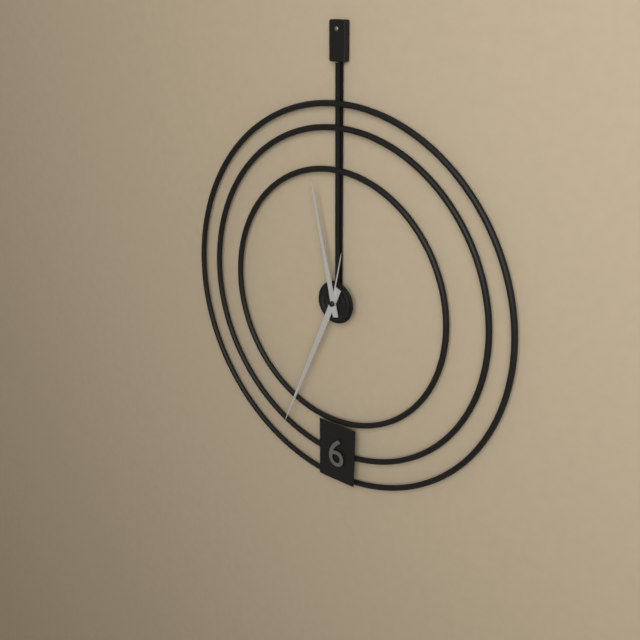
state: 11:34:02
